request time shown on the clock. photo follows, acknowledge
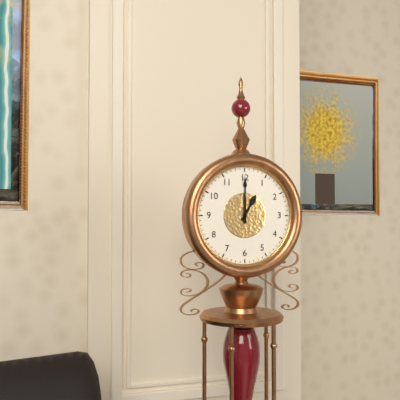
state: 1:00
